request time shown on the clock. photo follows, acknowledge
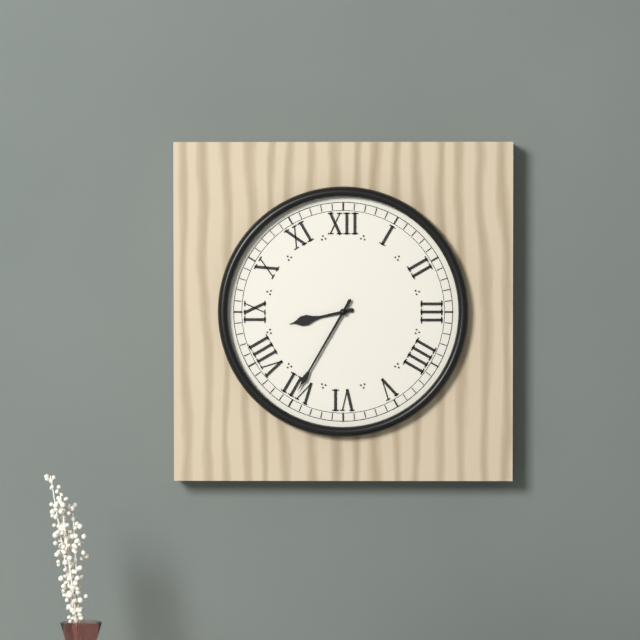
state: 8:35
